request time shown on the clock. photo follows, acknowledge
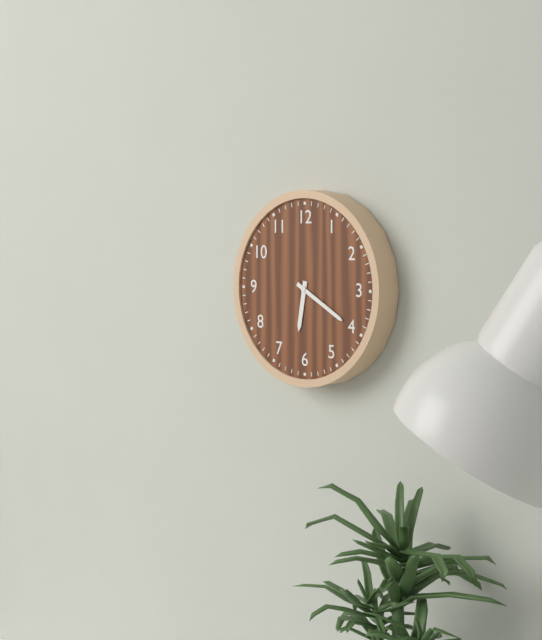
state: 6:20
